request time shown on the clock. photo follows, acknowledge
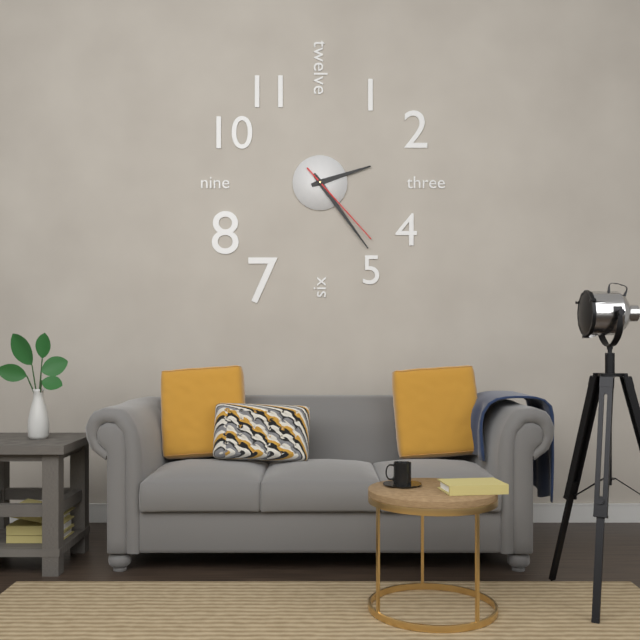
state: 2:24:23
